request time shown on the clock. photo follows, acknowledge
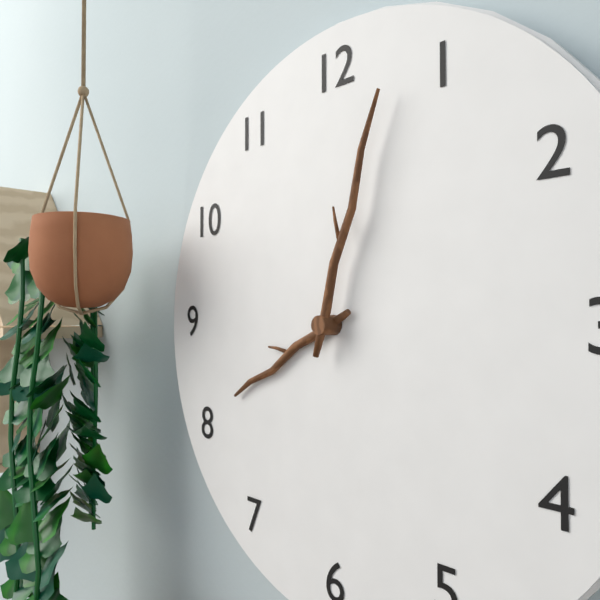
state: 8:03
